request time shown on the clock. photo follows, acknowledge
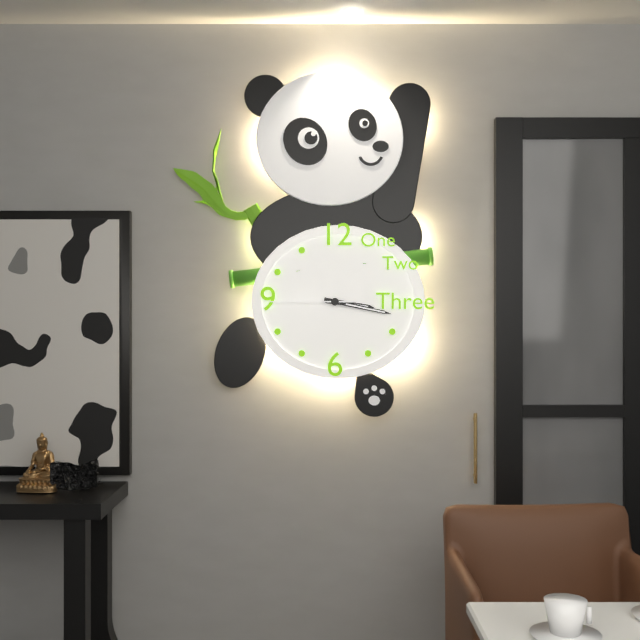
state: 3:17:45
